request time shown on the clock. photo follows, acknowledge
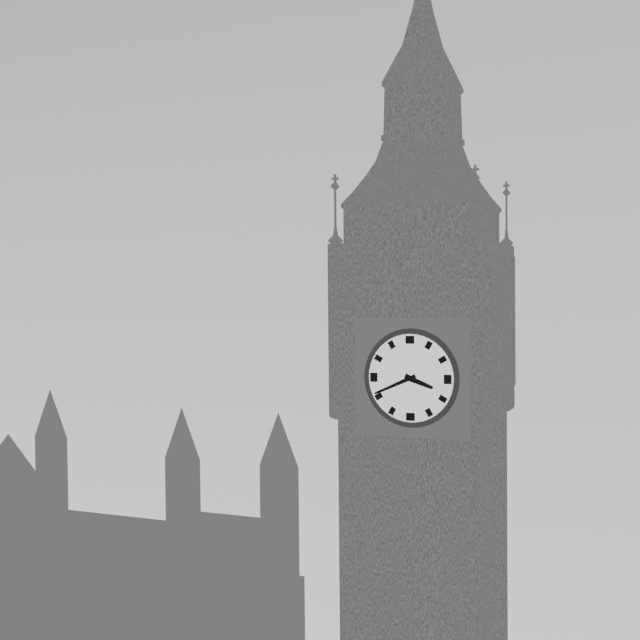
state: 3:41
